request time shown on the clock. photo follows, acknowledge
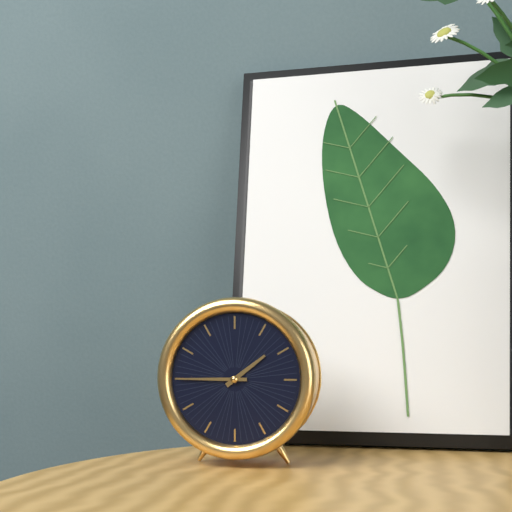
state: 1:45
